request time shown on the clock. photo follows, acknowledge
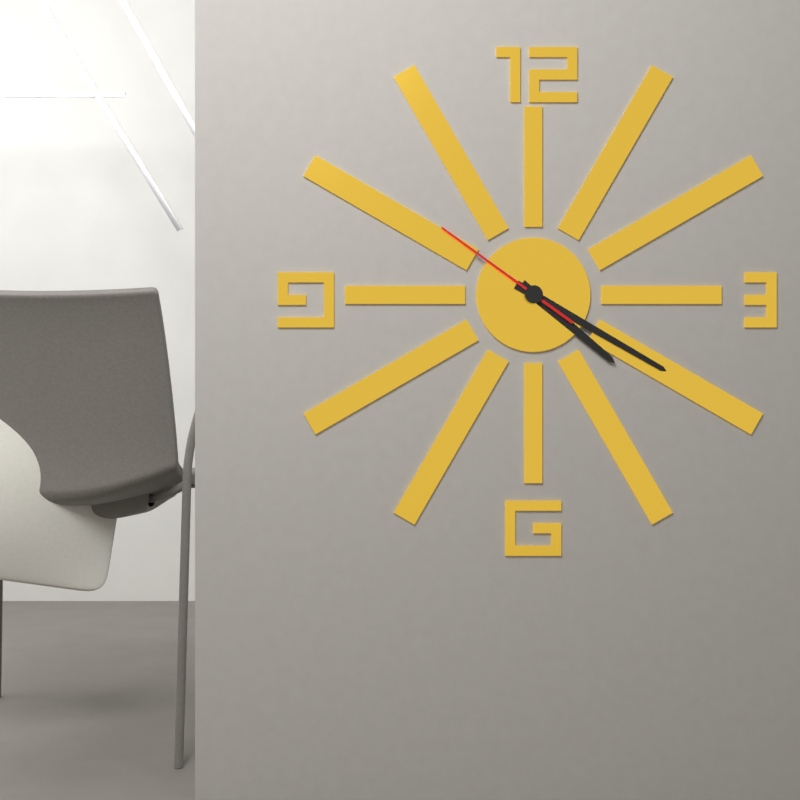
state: 4:20:51
